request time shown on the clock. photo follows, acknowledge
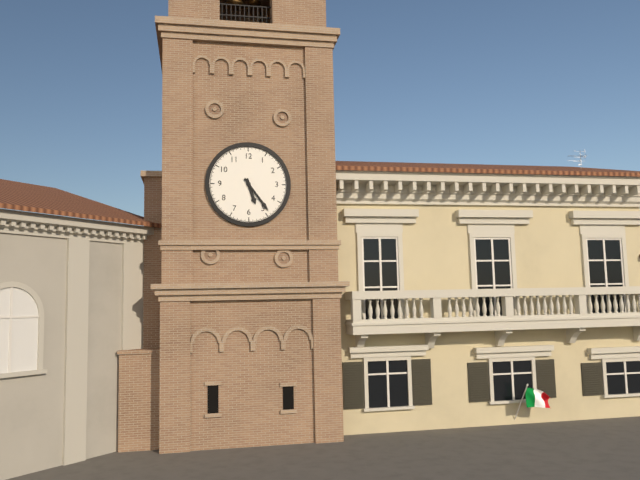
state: 5:24
